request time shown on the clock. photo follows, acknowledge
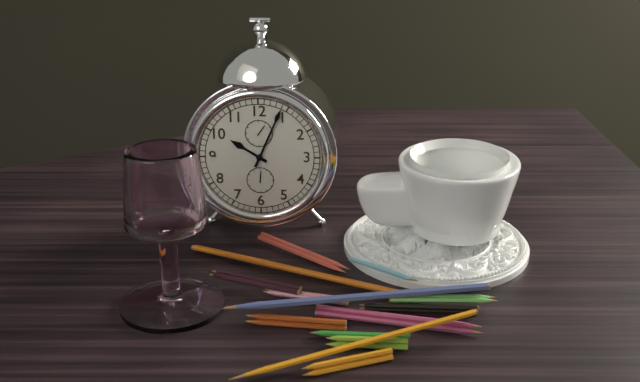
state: 10:04
